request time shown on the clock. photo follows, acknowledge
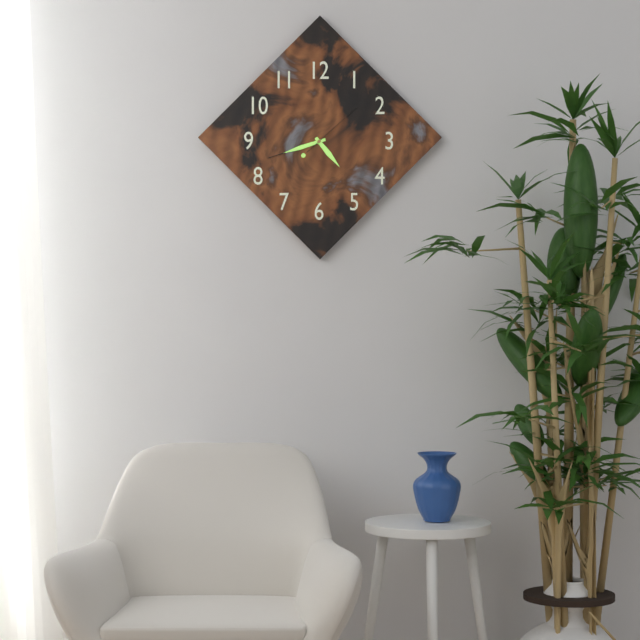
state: 4:42:08
